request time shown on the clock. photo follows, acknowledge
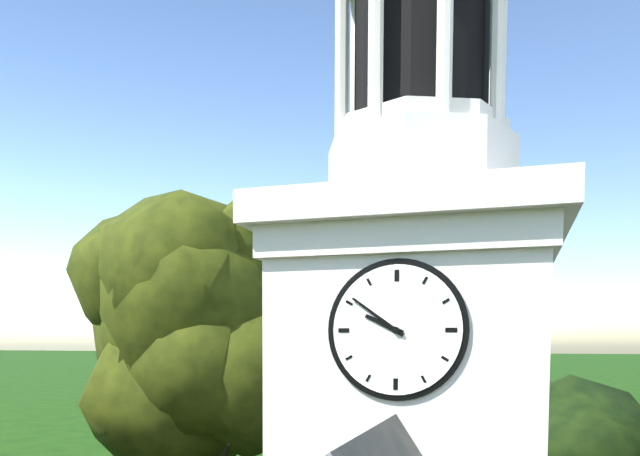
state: 9:51
